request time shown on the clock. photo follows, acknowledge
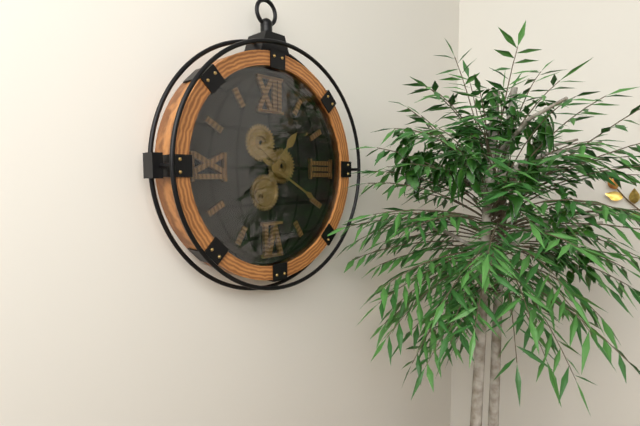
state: 1:20
